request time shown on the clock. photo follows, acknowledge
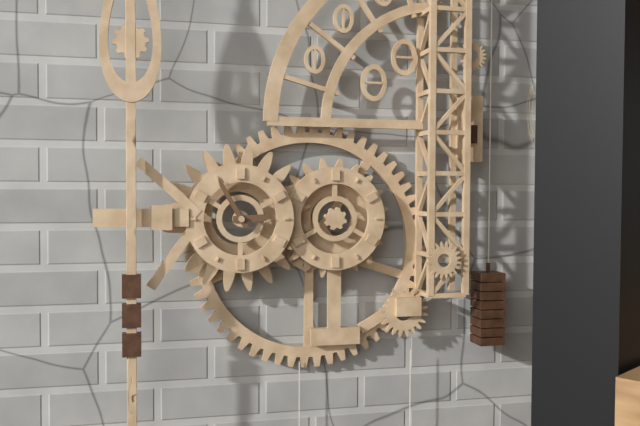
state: 2:55
